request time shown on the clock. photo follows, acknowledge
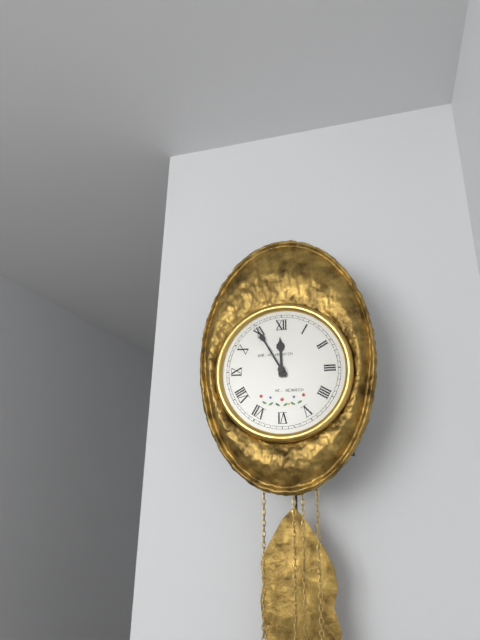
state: 11:55
